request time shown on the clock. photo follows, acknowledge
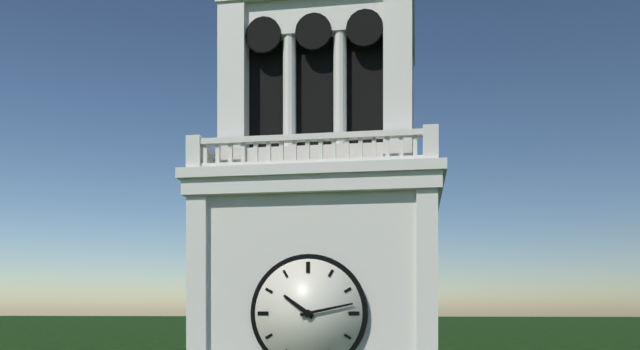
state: 10:13
